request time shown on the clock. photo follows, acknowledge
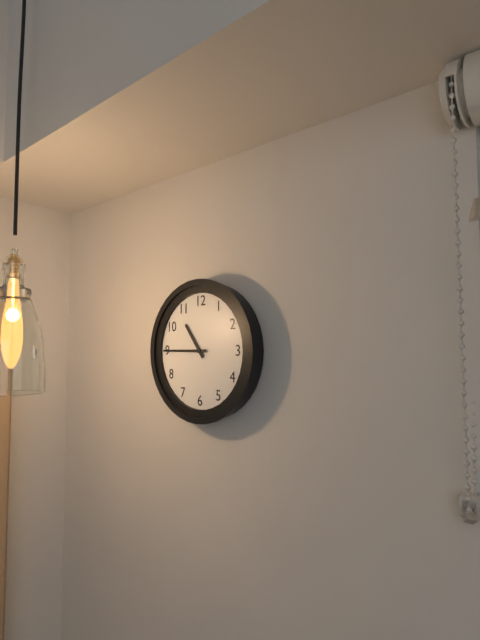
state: 10:45
